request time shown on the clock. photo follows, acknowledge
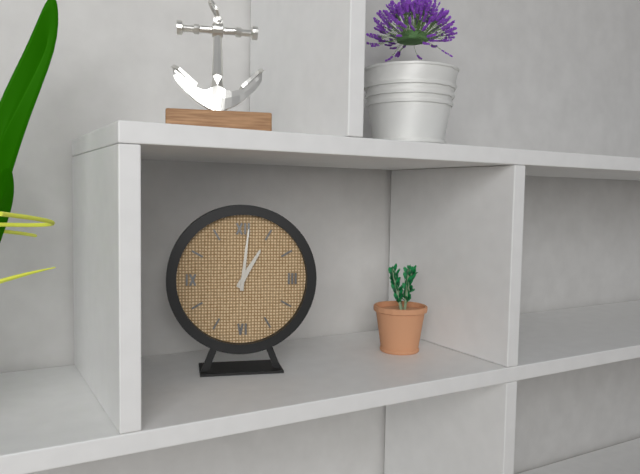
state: 1:01
